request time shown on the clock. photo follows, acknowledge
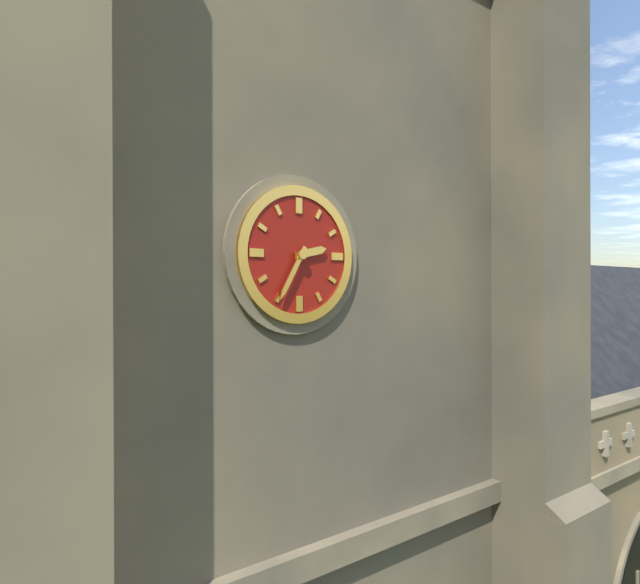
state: 2:35
